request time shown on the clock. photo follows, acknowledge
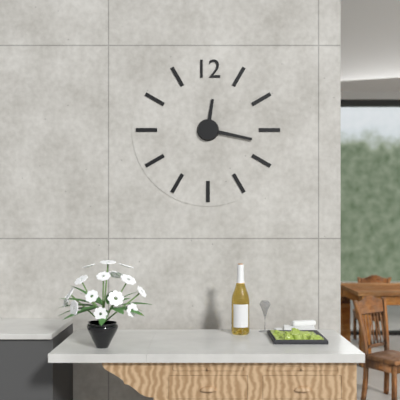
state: 12:17
